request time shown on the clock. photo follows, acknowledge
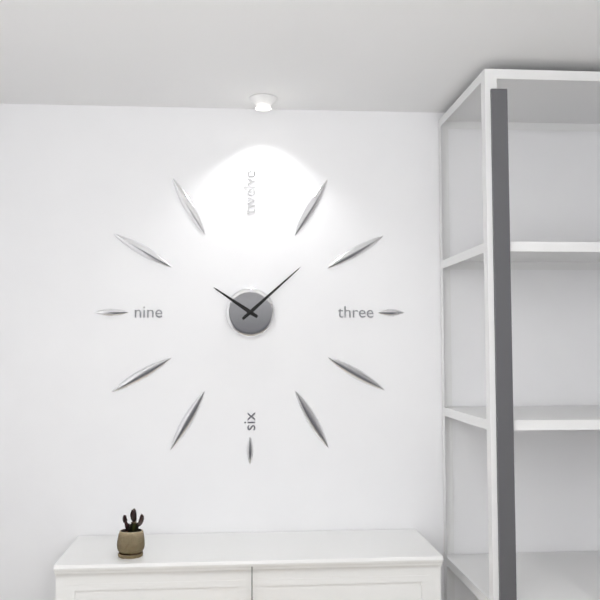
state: 10:08
